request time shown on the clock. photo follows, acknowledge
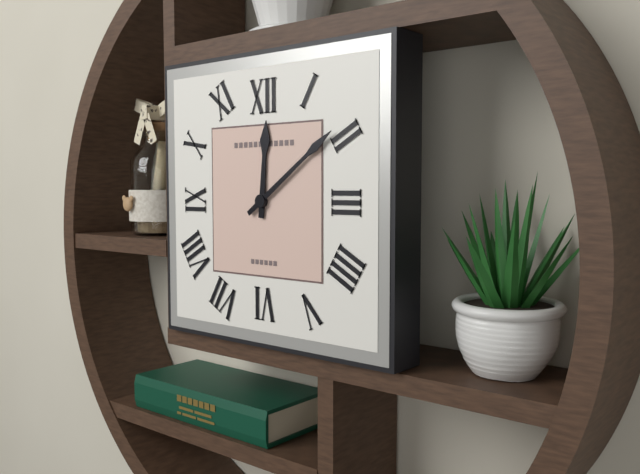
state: 12:09
